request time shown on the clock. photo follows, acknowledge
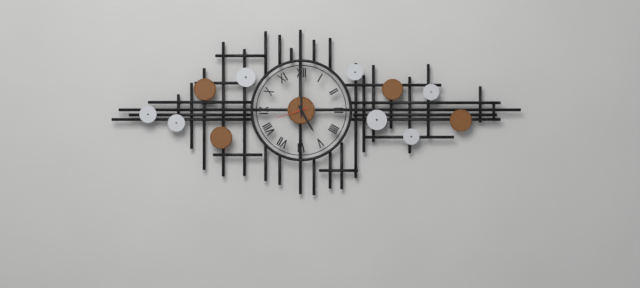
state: 5:00
